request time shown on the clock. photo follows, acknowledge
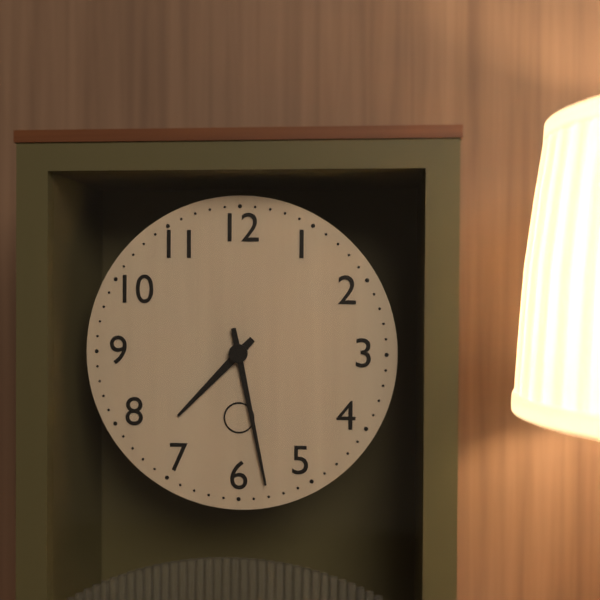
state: 7:28
